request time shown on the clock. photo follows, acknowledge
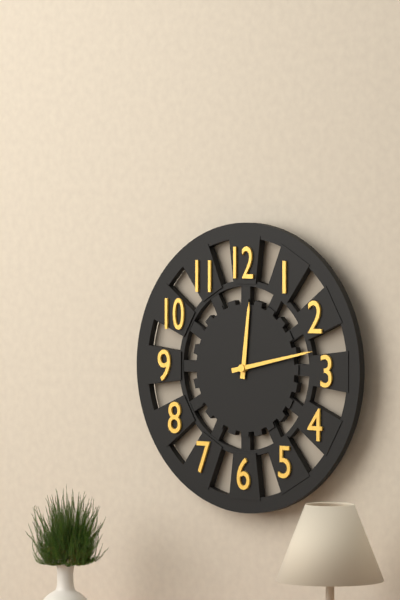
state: 12:13
